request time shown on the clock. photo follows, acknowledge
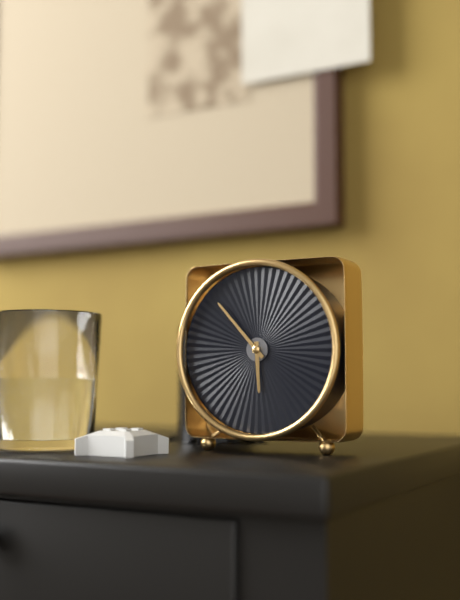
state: 5:53
